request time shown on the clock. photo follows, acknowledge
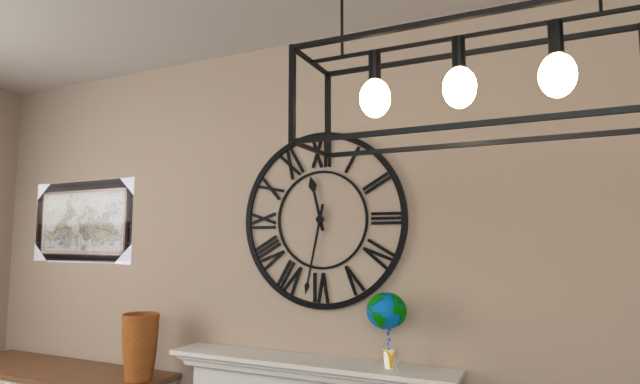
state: 11:32
